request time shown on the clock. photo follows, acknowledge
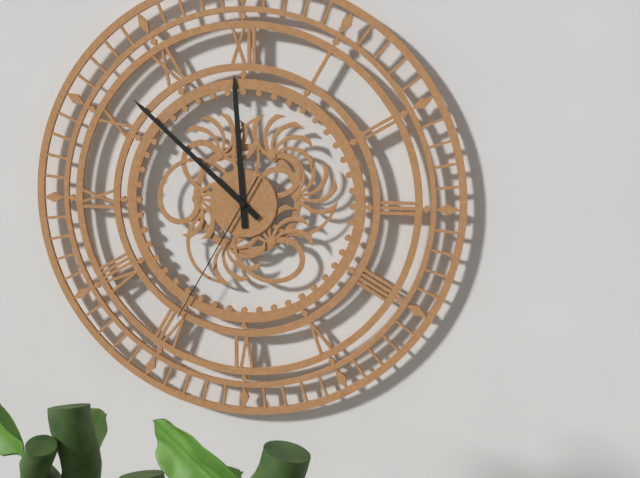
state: 11:52:35
